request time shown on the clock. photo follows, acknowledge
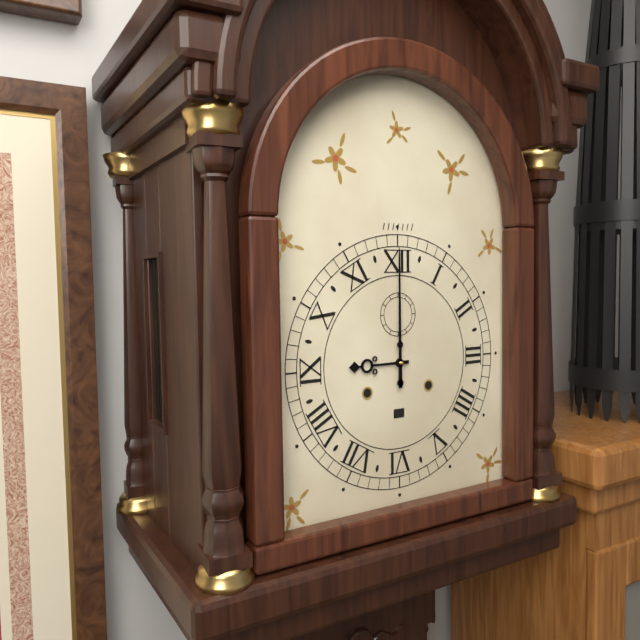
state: 9:00
